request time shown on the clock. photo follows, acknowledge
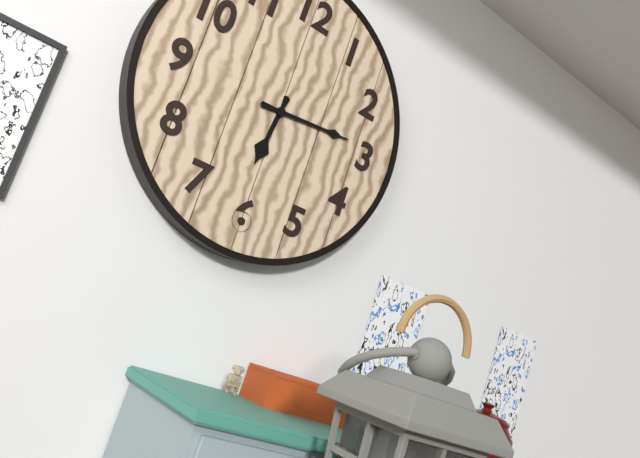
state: 6:14
